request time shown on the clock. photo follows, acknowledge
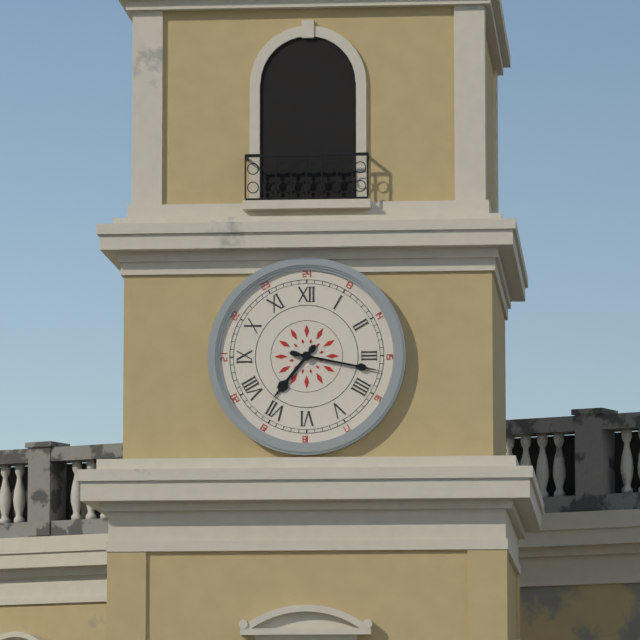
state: 7:17
